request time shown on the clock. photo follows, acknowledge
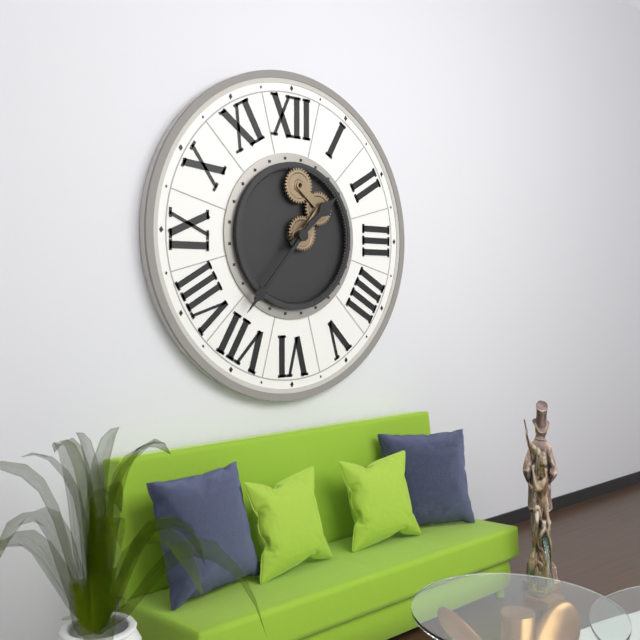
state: 1:37
